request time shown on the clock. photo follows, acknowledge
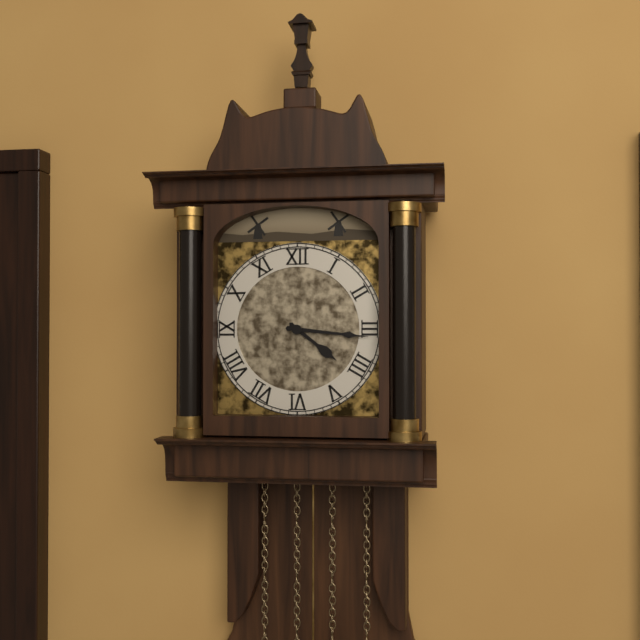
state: 4:16
